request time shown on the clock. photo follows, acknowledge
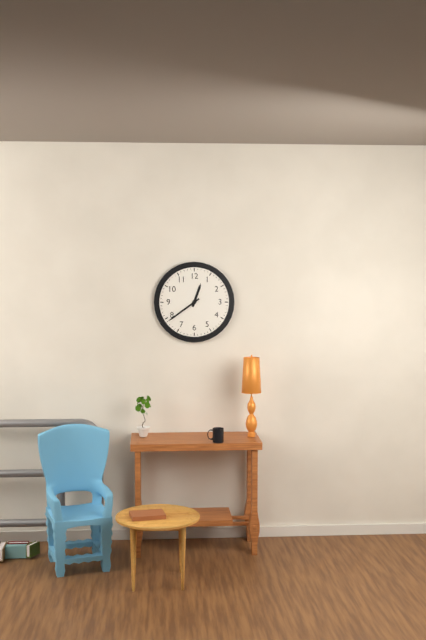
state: 12:39
